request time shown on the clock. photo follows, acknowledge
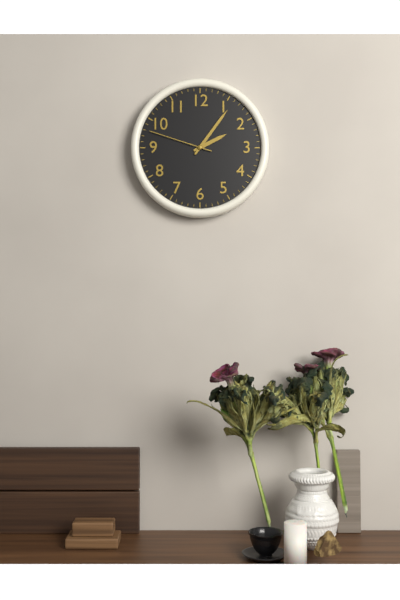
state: 2:06:48
